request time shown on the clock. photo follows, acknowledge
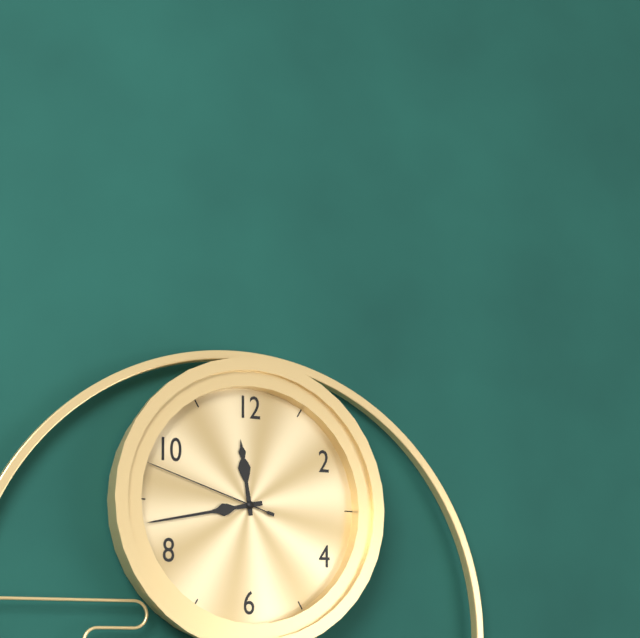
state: 11:43:48
